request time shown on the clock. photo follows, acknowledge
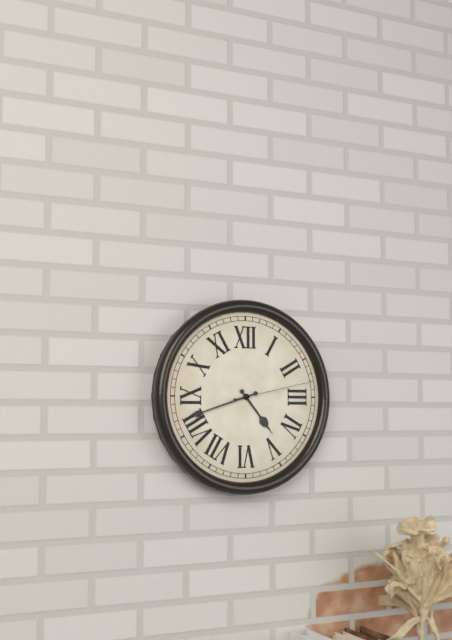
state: 4:42:13
